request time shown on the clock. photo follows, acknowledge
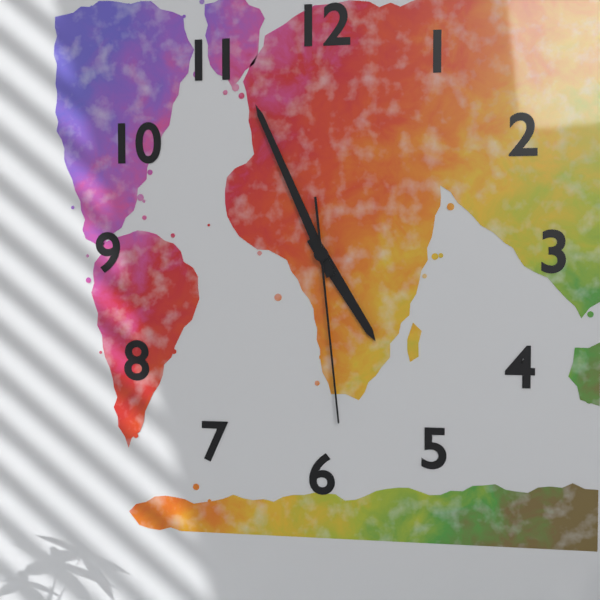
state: 4:56:29
